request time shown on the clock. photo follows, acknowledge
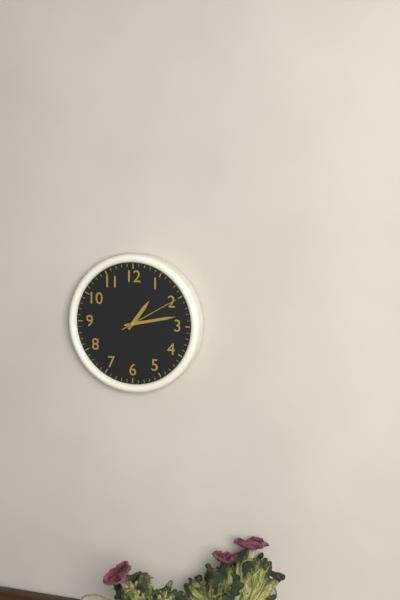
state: 1:13:10
